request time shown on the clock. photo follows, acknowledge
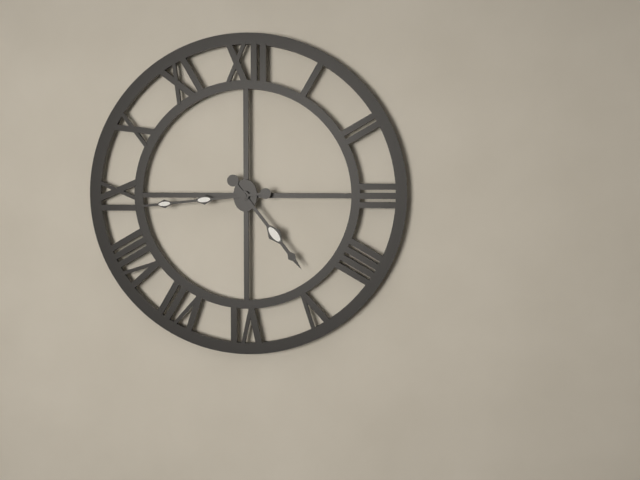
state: 4:44
